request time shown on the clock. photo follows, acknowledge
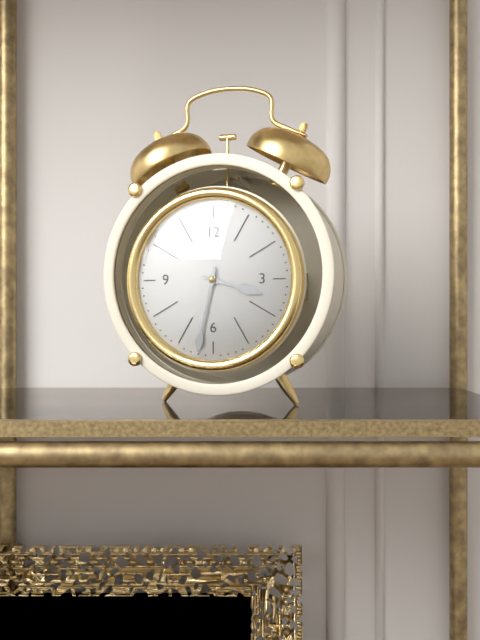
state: 3:32
